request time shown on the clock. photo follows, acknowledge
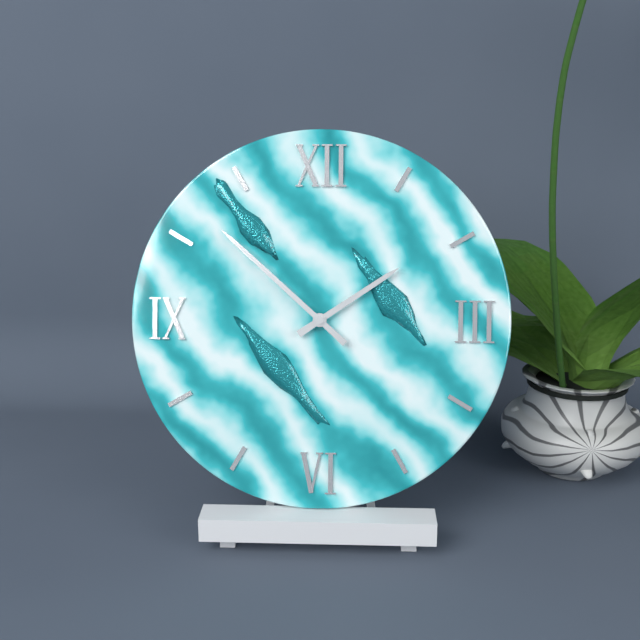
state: 1:52
